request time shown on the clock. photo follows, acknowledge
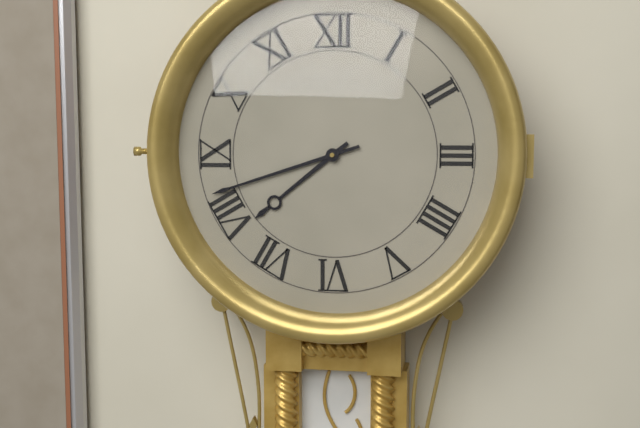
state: 7:42
